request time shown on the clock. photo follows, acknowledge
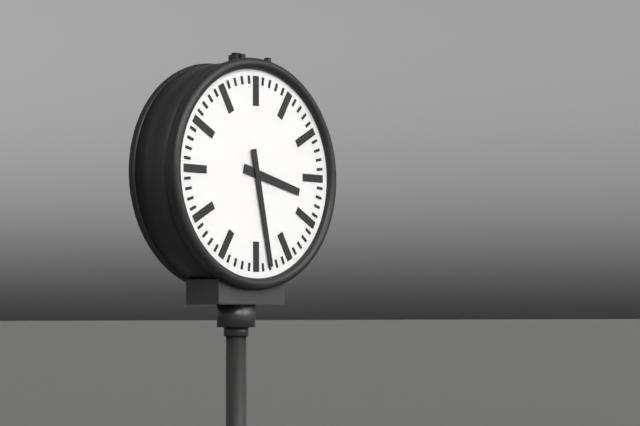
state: 3:28
